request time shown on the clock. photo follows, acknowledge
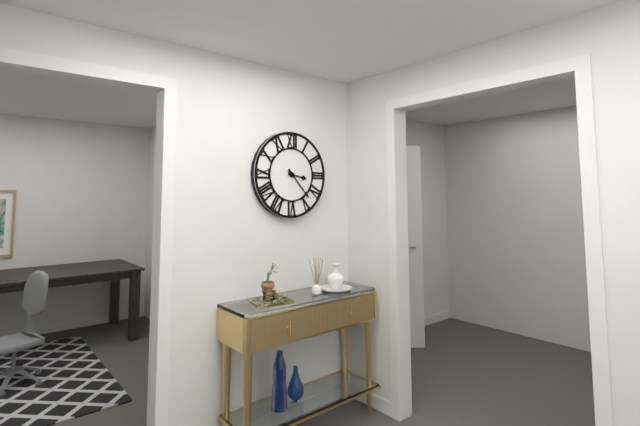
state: 3:23
